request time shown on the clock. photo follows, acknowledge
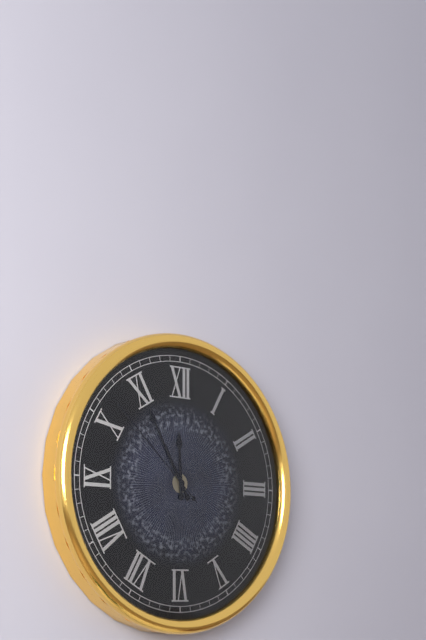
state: 11:55:52
